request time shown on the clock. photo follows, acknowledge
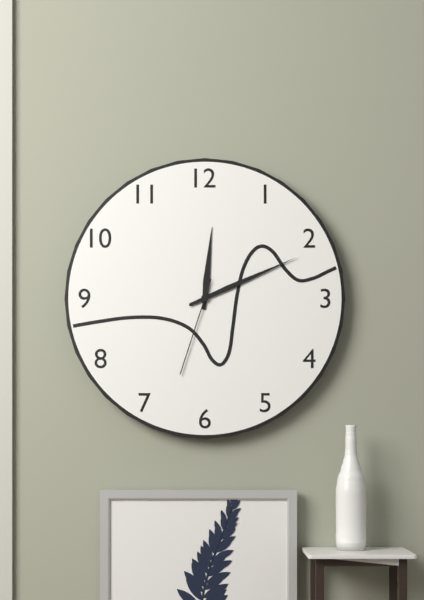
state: 12:11:33
